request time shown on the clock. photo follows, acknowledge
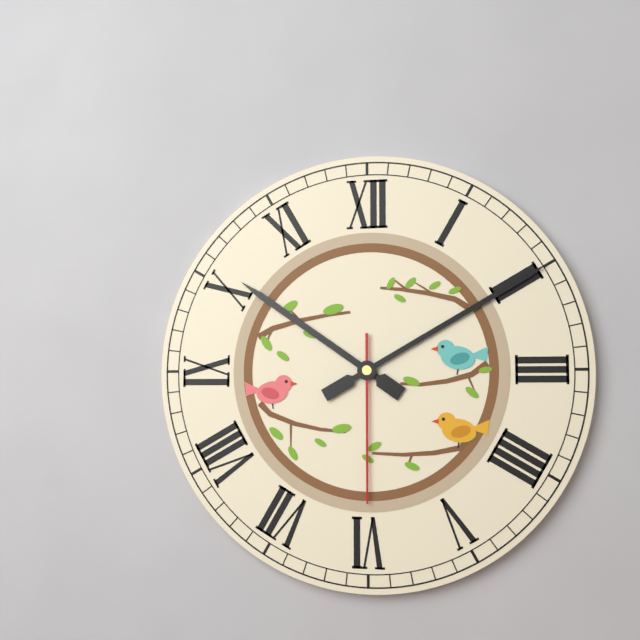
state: 10:10:30
